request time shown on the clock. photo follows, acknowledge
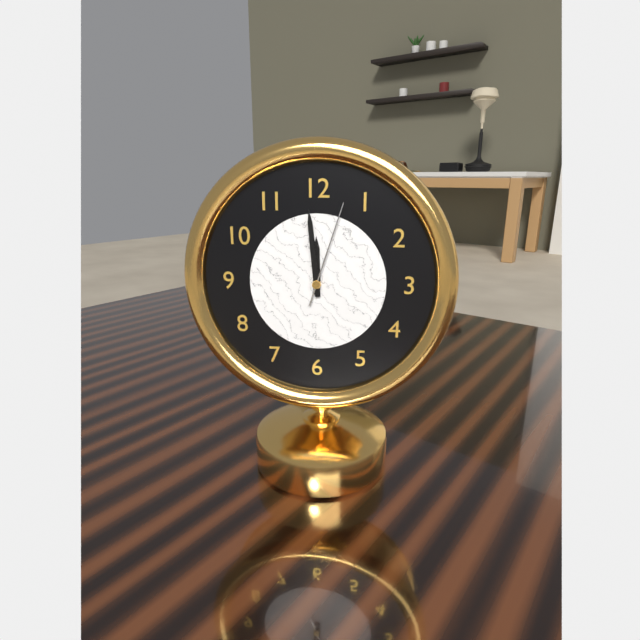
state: 11:59:03
